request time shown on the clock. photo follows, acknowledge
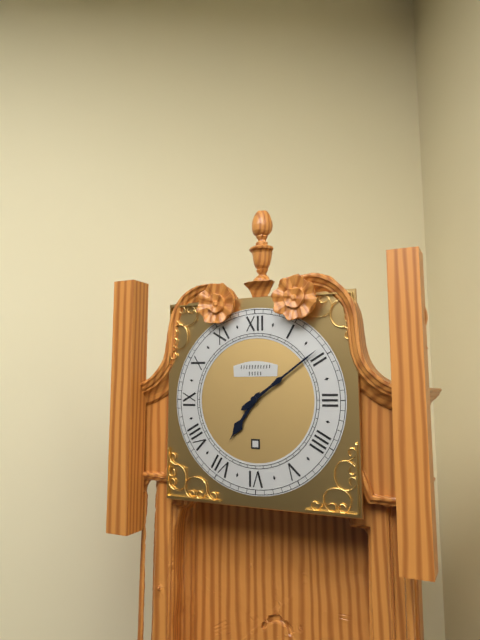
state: 7:09
